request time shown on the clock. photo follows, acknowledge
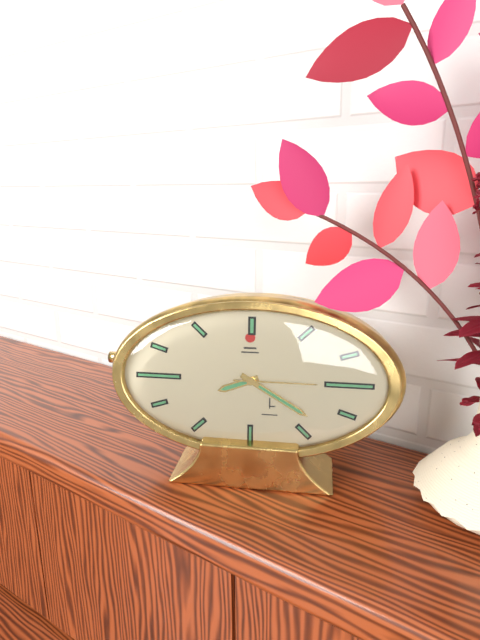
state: 8:20:15
